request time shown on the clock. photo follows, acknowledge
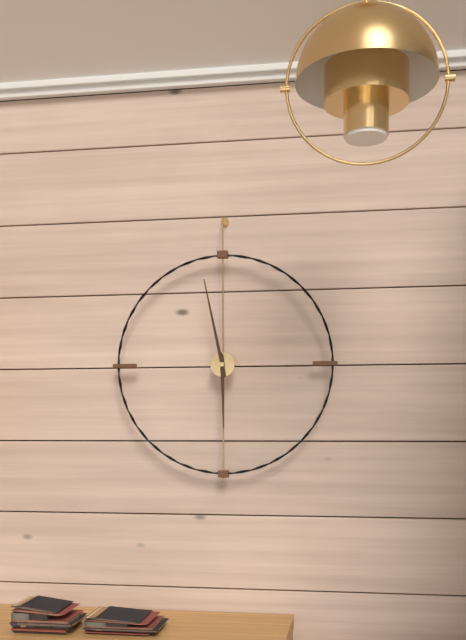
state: 5:58
